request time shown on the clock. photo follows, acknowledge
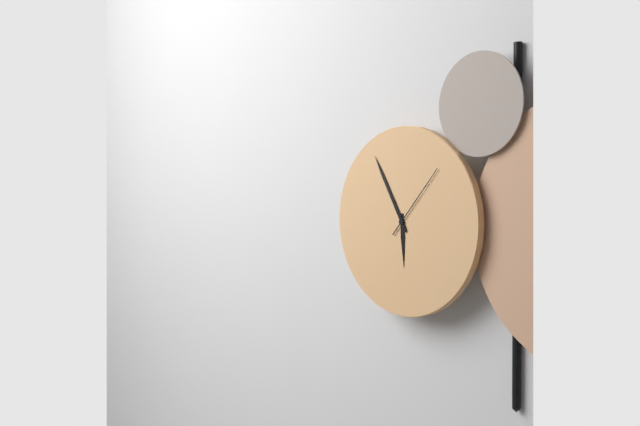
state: 5:55:07
